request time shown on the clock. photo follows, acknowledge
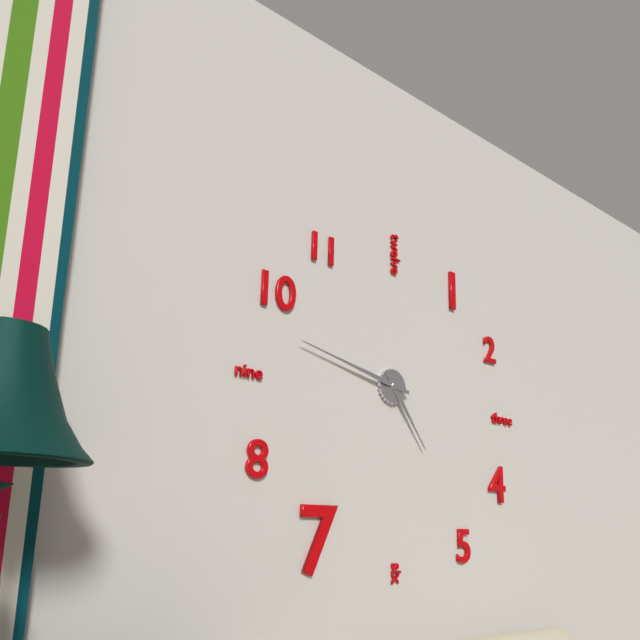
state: 4:47
